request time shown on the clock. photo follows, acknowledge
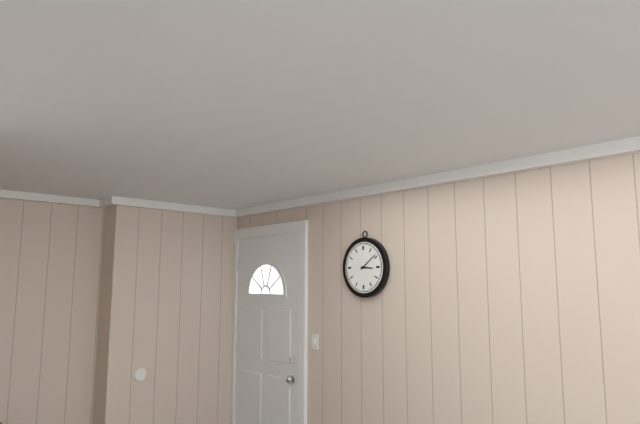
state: 3:09
